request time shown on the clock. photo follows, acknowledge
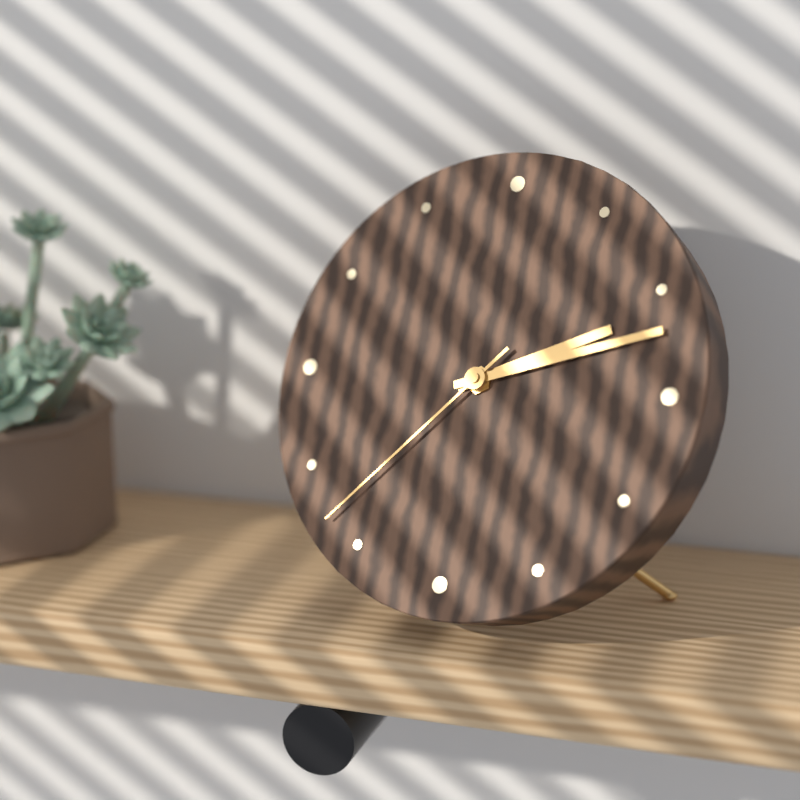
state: 2:12:37
